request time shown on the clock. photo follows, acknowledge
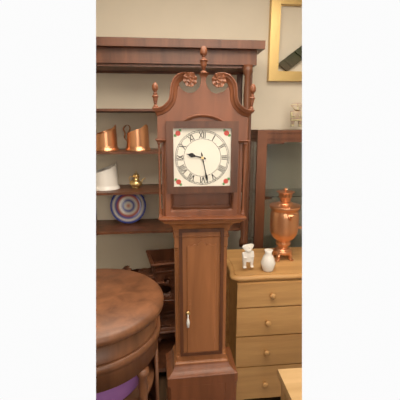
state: 9:28
